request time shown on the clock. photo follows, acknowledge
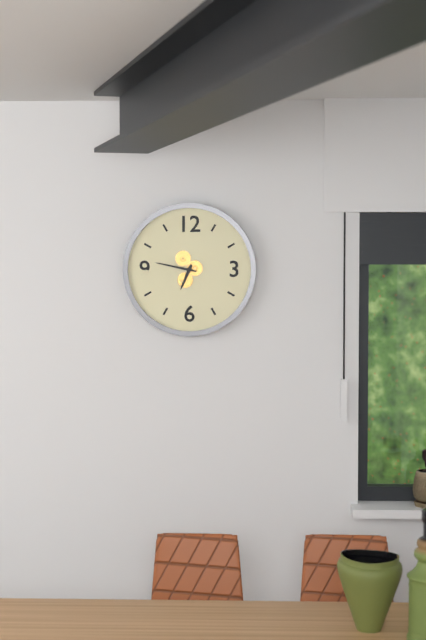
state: 6:47
